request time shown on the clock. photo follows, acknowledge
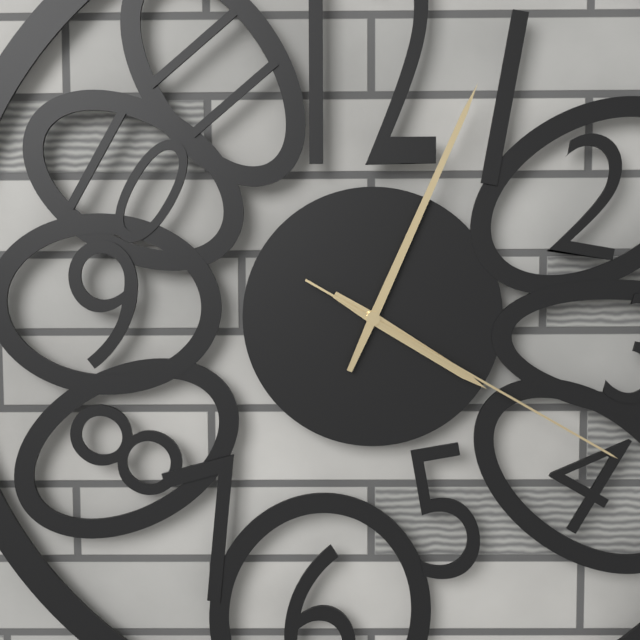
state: 4:04:20
